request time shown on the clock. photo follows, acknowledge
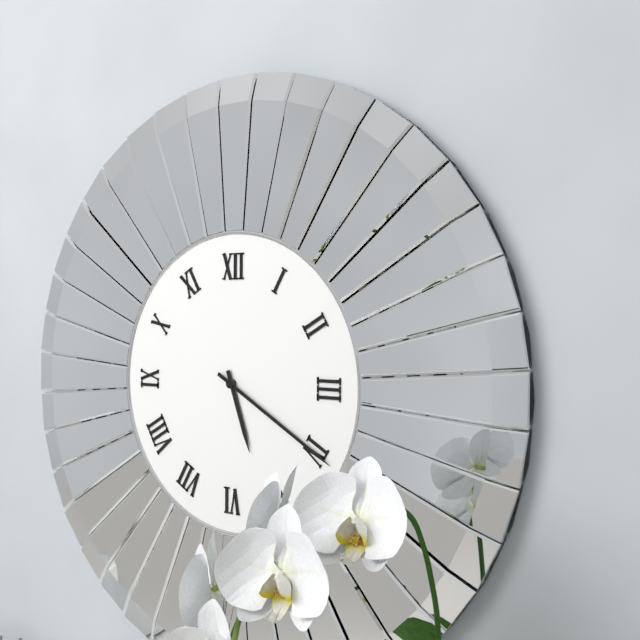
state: 5:20
